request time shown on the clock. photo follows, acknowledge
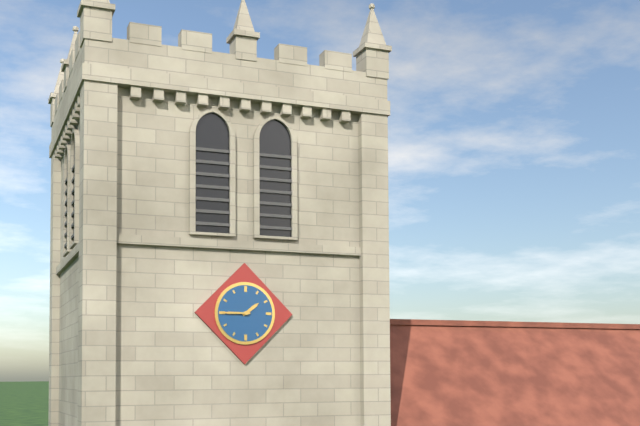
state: 1:45
